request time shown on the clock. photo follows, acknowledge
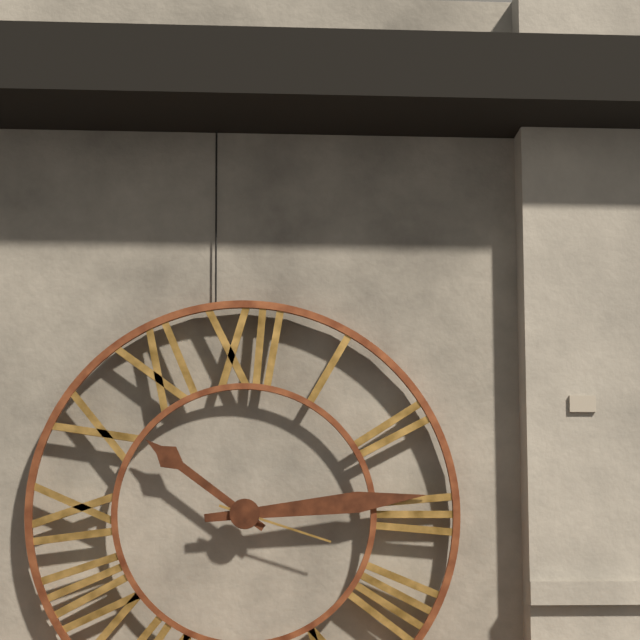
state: 10:14:18
